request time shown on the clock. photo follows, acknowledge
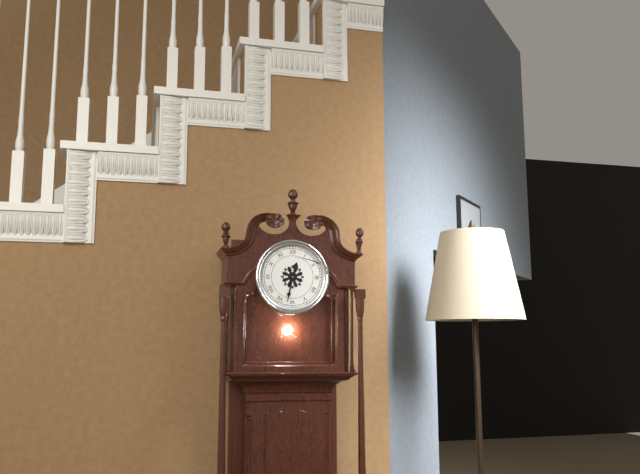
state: 12:32
